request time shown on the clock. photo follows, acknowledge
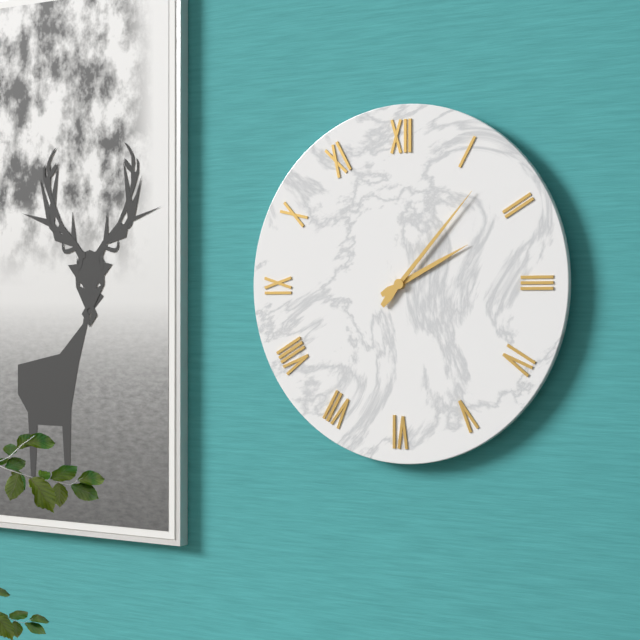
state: 2:07
